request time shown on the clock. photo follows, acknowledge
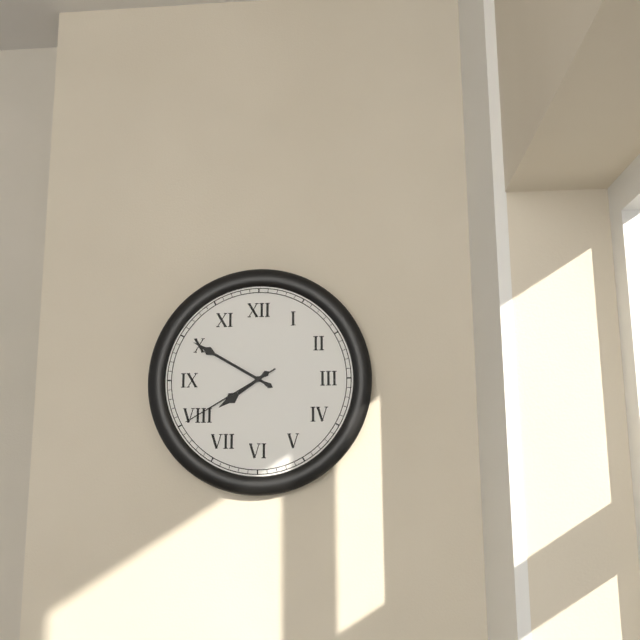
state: 7:50:40
